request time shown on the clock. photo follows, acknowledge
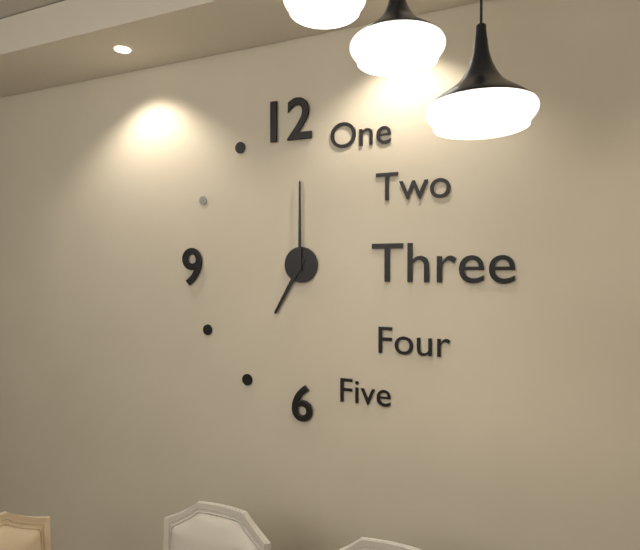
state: 7:00
